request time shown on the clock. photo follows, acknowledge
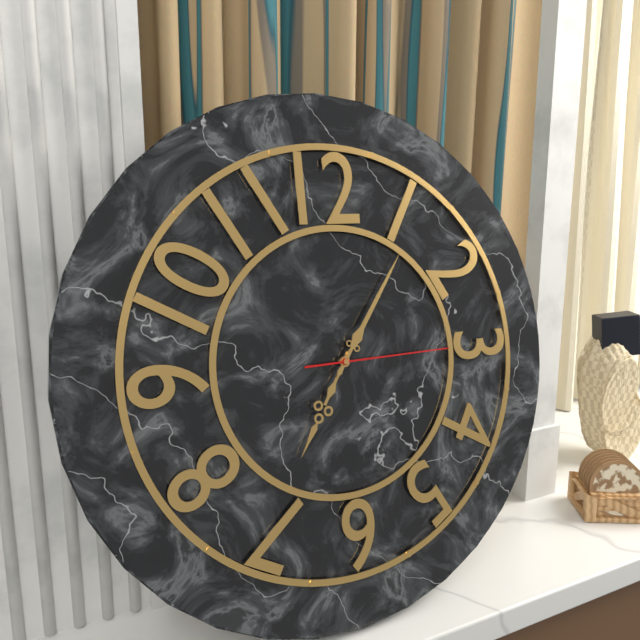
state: 7:06:15
